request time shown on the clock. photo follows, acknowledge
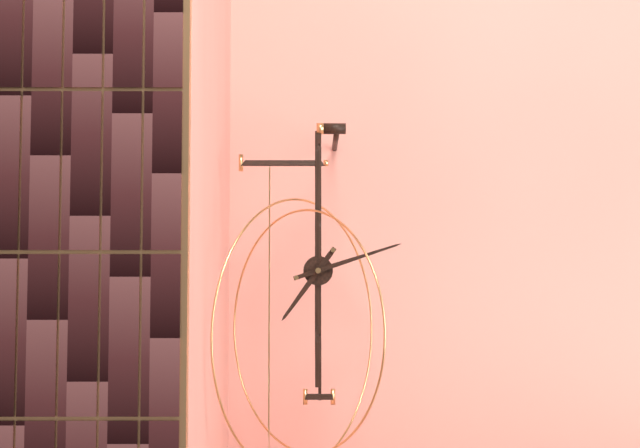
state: 7:12
